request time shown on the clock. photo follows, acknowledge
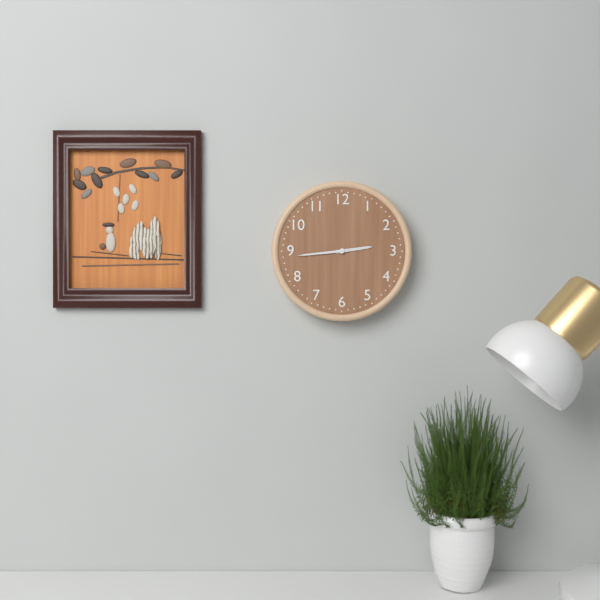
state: 2:44
